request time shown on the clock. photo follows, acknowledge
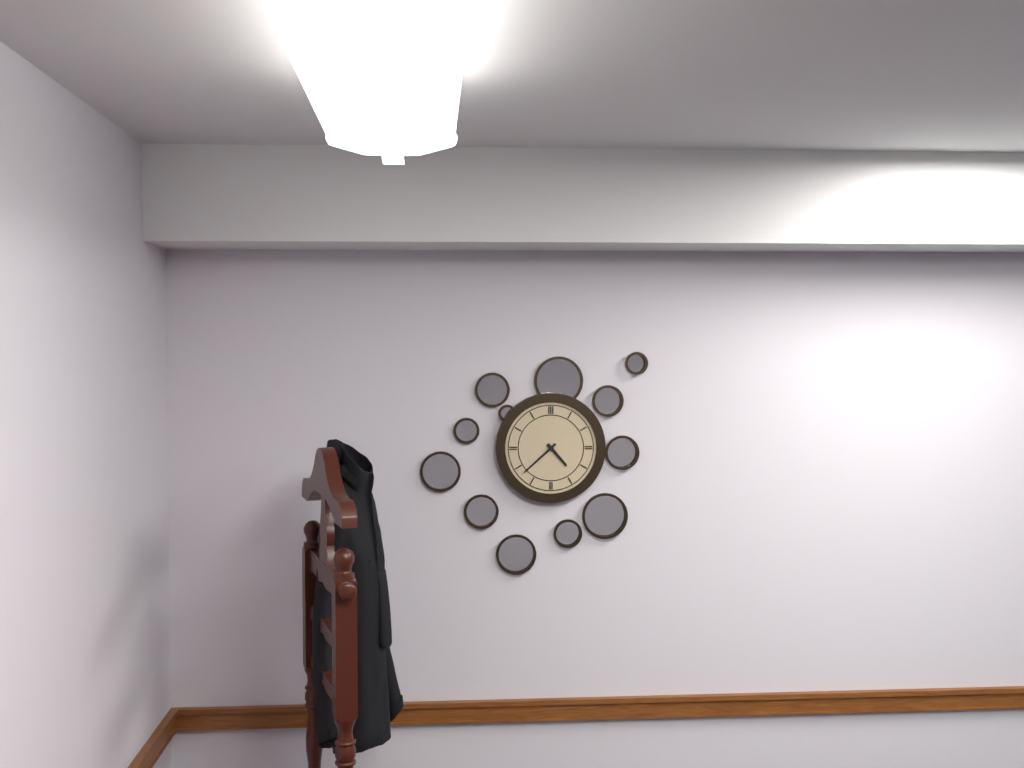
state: 4:38
